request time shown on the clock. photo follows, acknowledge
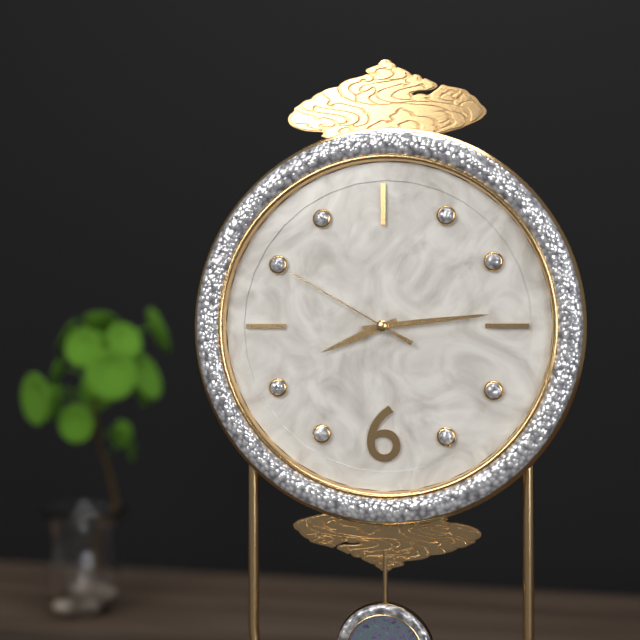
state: 8:14:50
